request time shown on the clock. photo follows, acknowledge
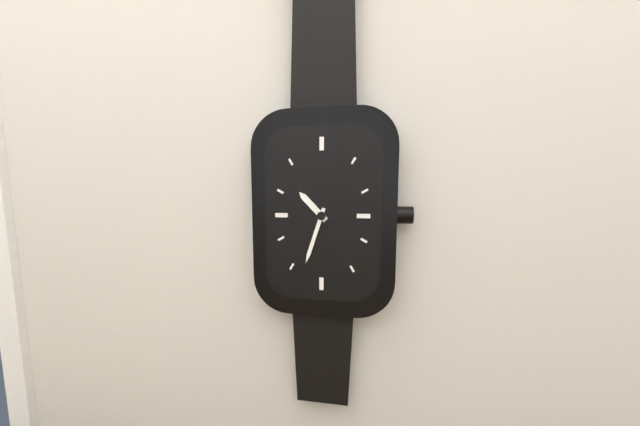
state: 10:33
